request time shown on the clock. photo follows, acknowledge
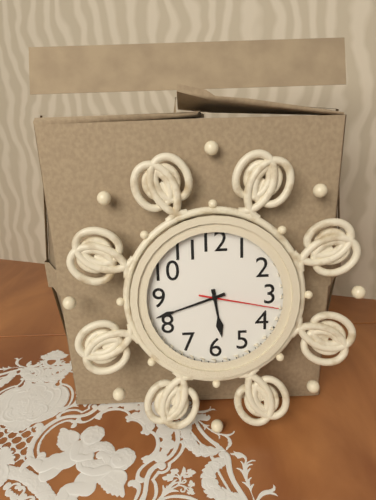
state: 5:42:17
